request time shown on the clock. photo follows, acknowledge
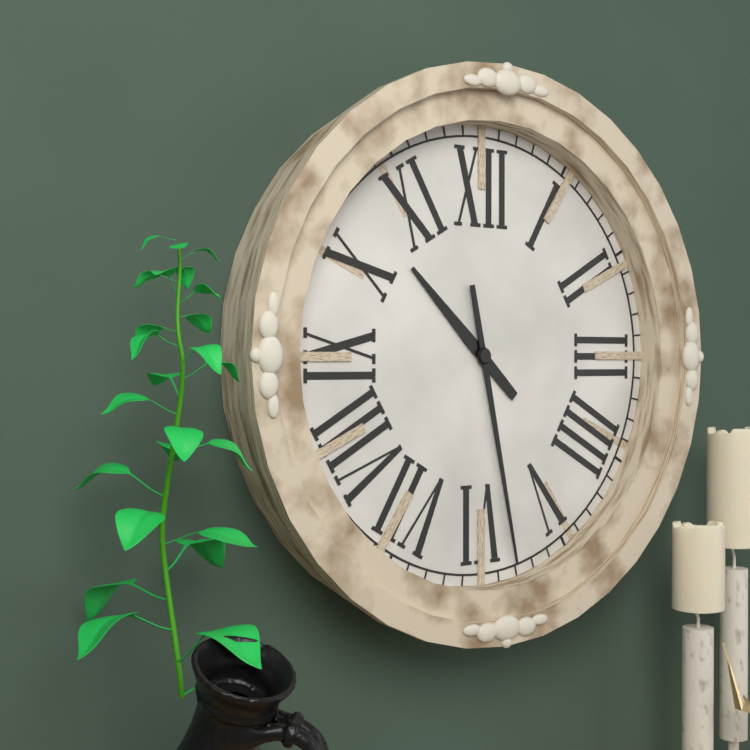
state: 10:28
